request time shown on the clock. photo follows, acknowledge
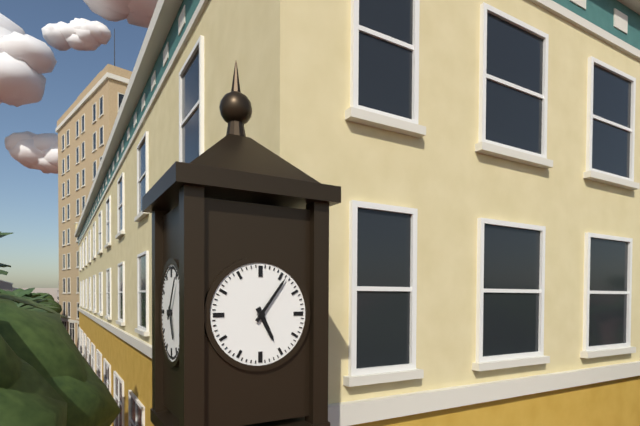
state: 5:06
